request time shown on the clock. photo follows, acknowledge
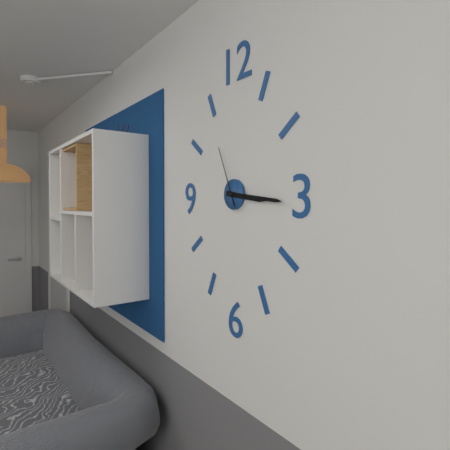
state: 3:16:56
